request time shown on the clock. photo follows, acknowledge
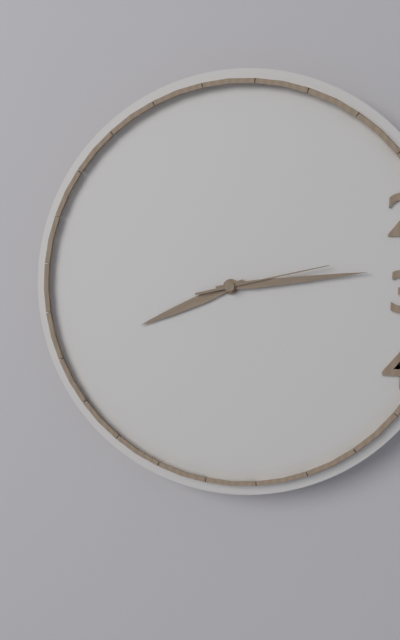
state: 8:14:13
